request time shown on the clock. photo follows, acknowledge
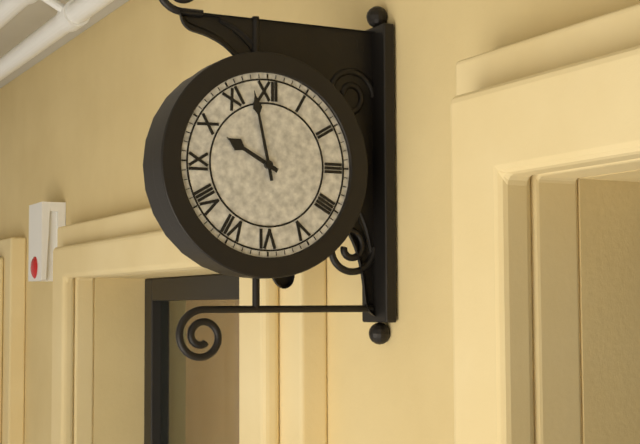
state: 9:58
